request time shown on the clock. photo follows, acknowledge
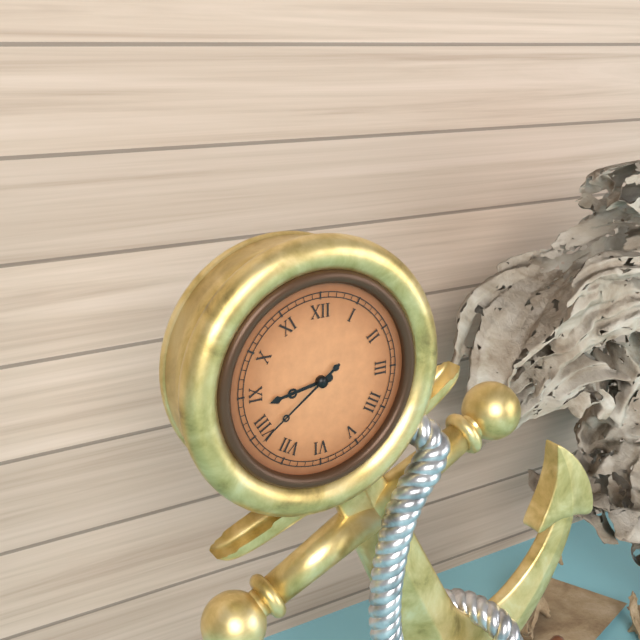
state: 8:39
